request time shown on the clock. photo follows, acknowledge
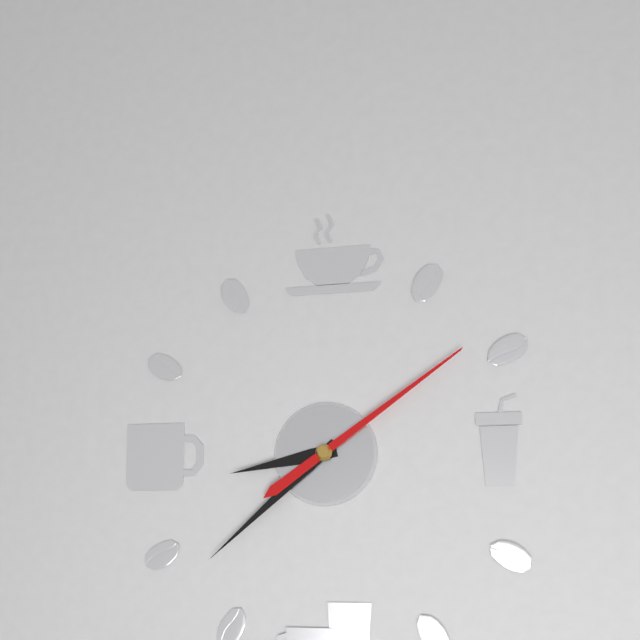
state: 8:38:09
